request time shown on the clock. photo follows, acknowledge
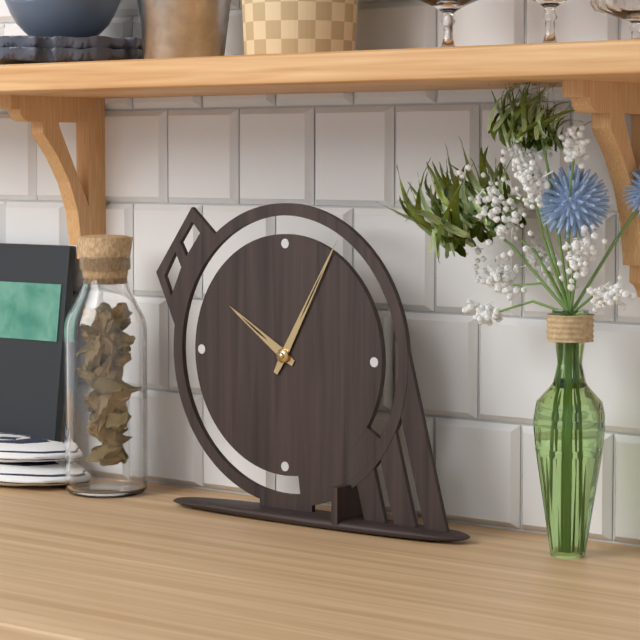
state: 10:05
